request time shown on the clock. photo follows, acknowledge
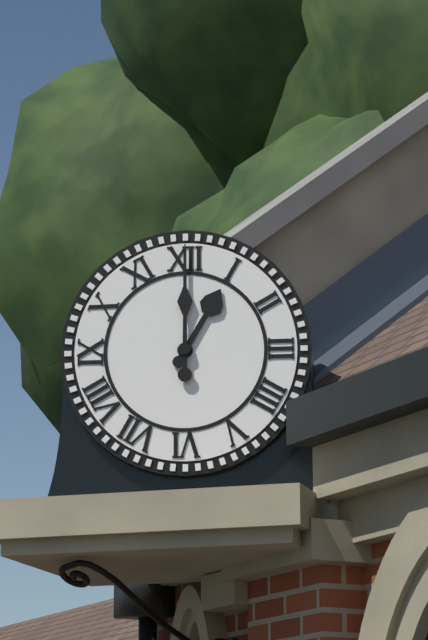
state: 1:00
